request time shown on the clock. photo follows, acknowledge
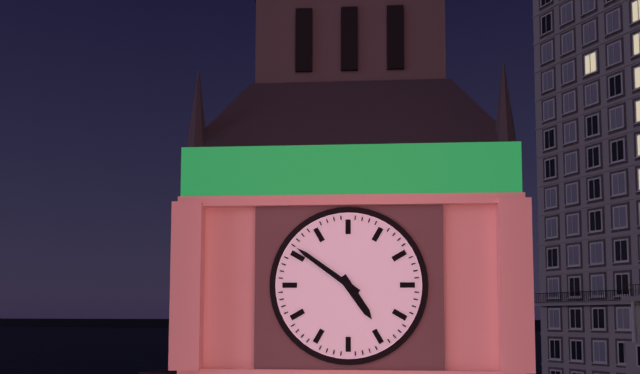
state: 4:51
